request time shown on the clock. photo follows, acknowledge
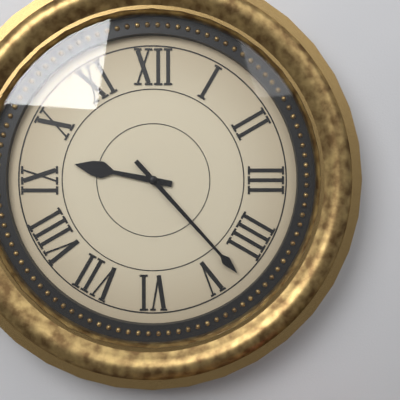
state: 9:23
